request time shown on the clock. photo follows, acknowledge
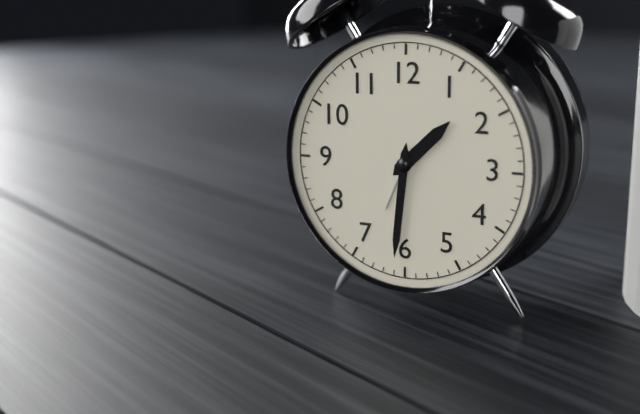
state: 1:31
